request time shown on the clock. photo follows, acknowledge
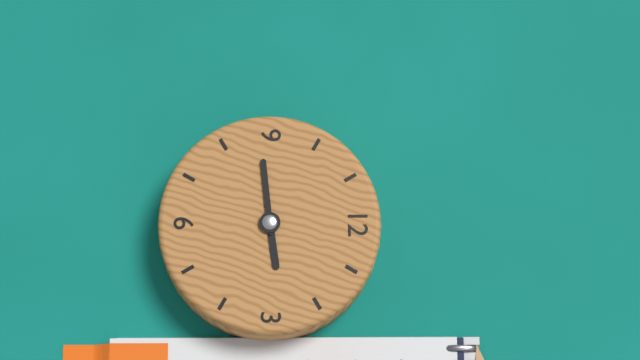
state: 2:44
